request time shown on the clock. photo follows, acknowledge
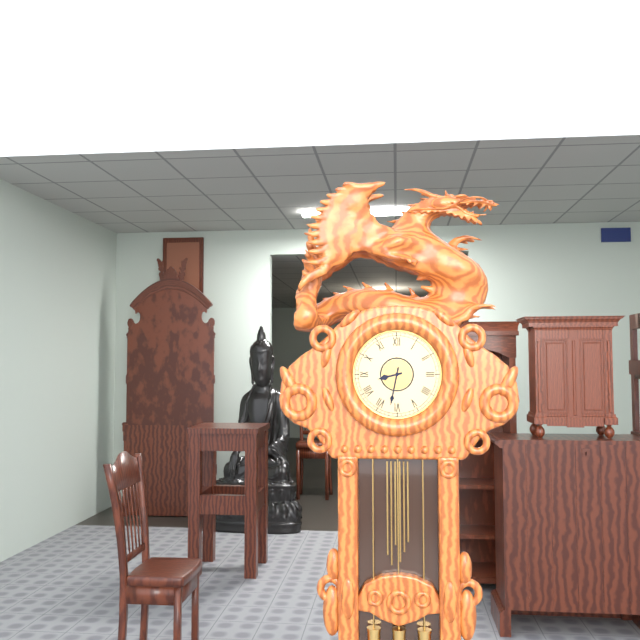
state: 8:32
